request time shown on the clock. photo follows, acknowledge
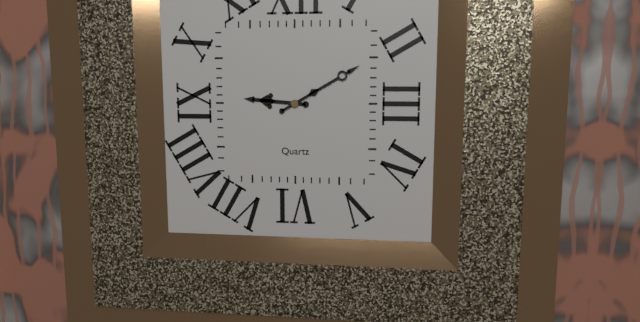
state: 9:10
